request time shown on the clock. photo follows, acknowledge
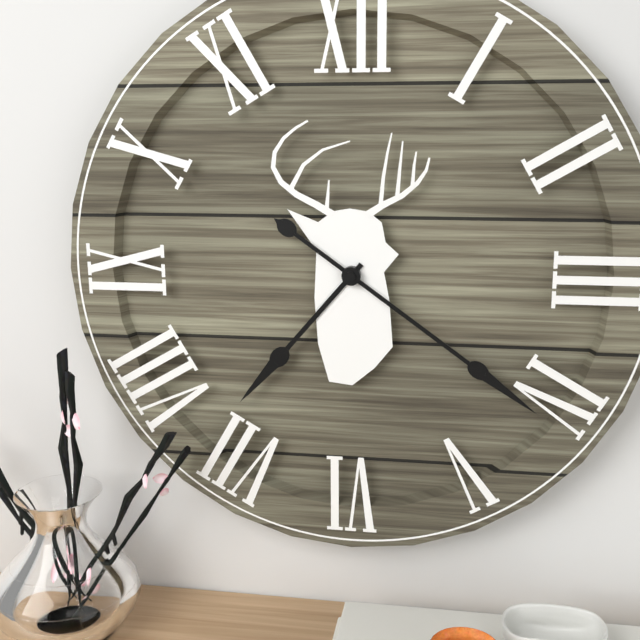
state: 7:21
